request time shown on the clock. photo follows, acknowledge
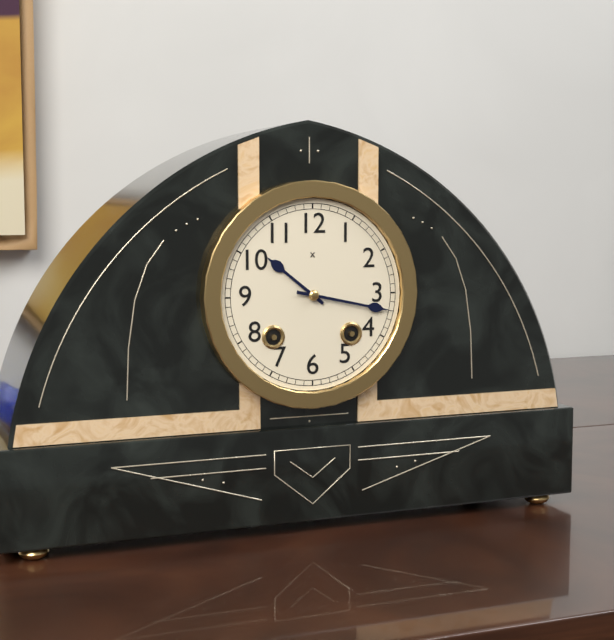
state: 10:17
